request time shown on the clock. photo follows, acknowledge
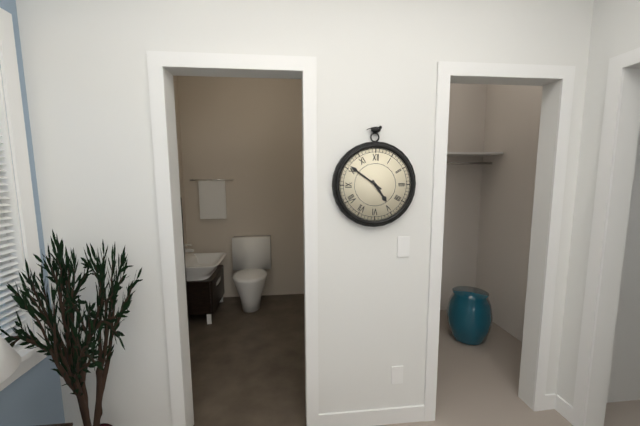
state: 4:51
